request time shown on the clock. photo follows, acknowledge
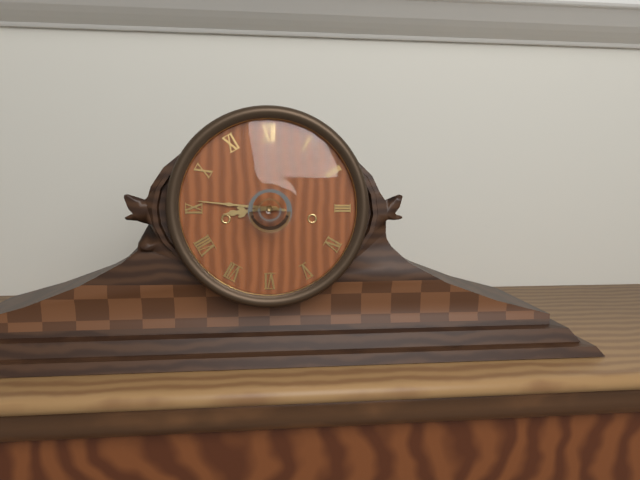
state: 8:46
